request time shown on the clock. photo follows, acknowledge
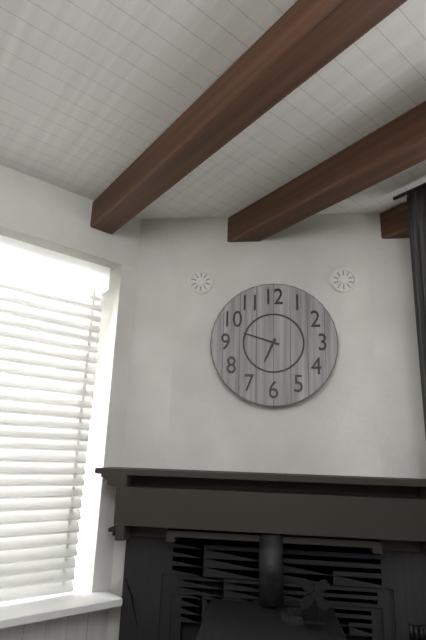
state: 6:48
